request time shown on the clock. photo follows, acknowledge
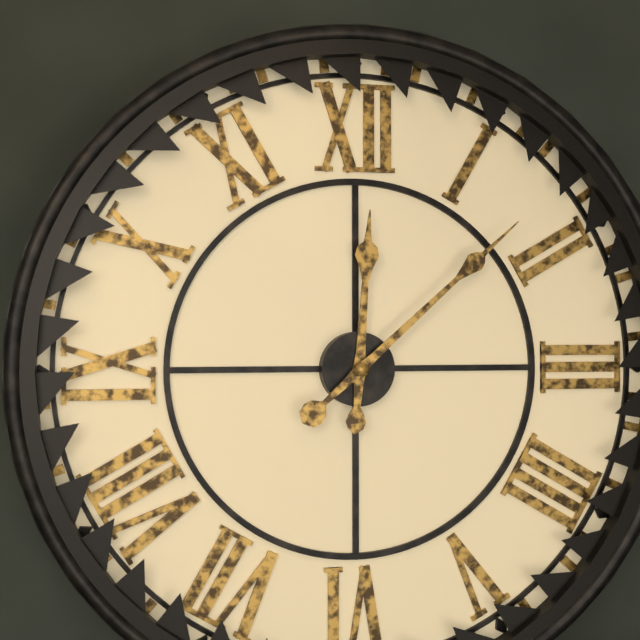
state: 12:08
